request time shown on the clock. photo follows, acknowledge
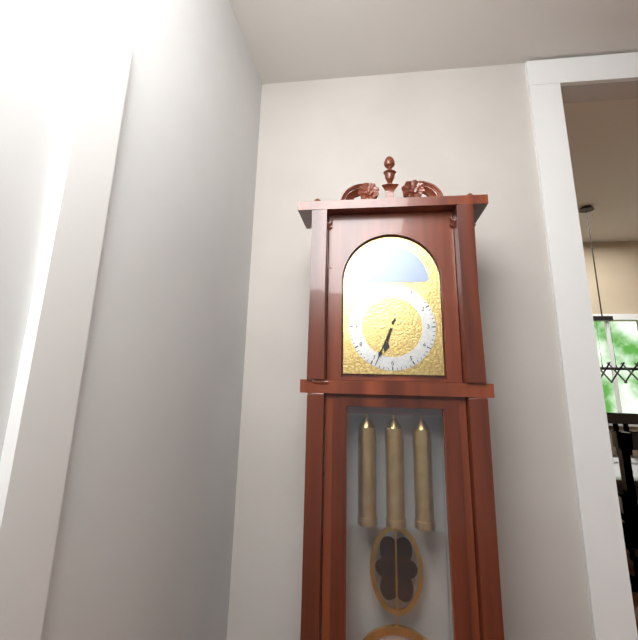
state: 6:34
